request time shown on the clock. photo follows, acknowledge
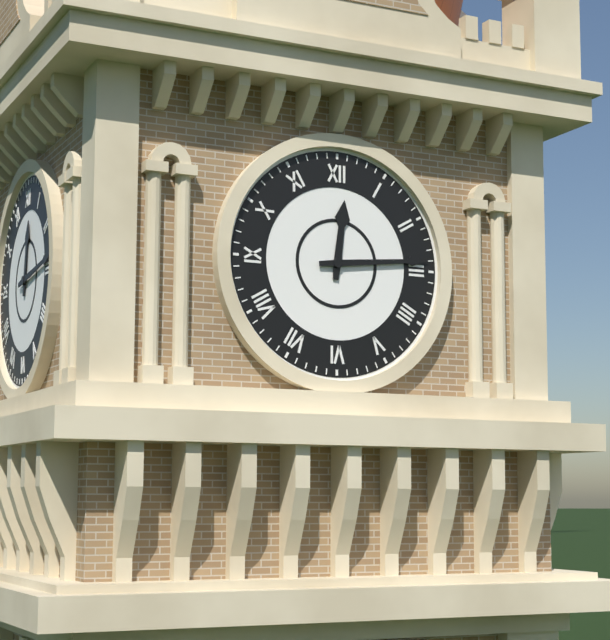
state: 12:14
